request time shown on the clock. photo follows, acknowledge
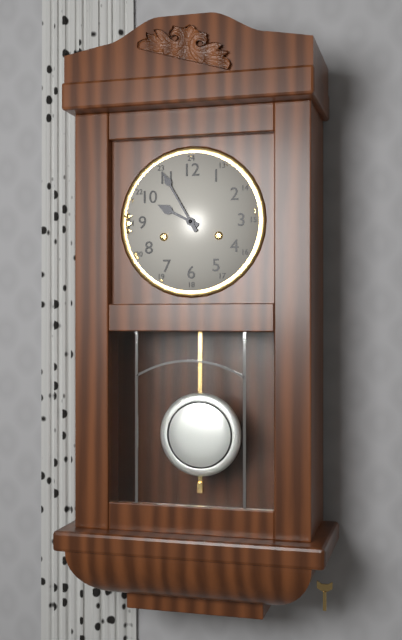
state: 9:55
